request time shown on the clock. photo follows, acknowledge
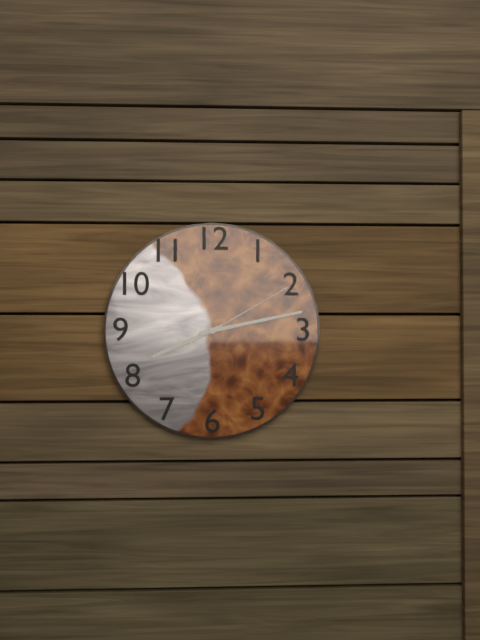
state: 8:13:10
